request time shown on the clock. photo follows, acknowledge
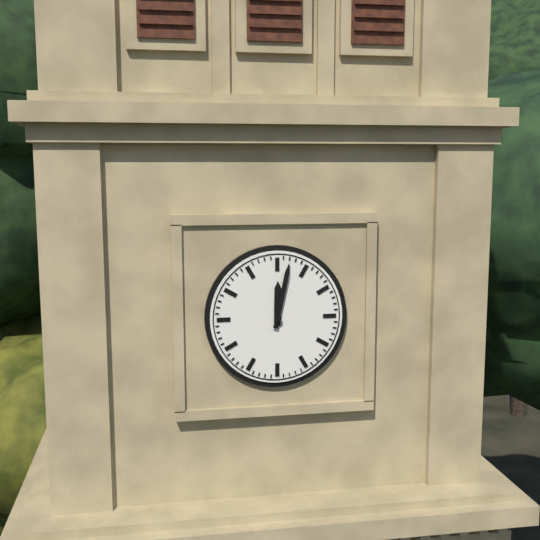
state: 12:02
